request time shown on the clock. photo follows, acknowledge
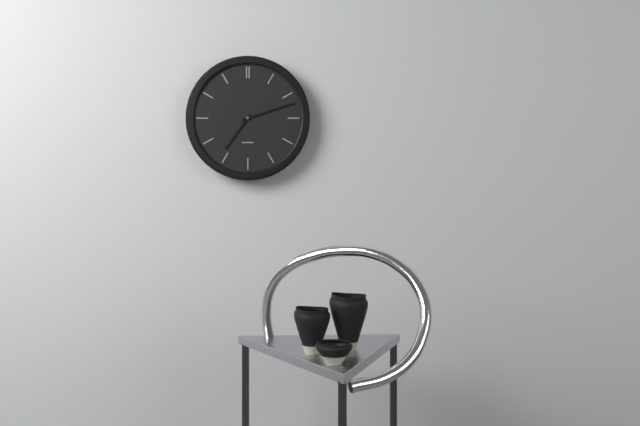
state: 7:12
